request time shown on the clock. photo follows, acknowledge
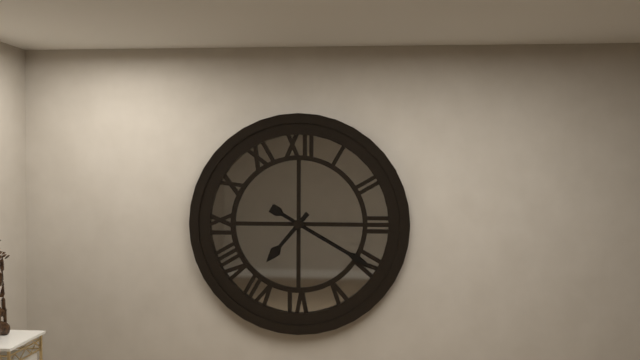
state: 7:20
